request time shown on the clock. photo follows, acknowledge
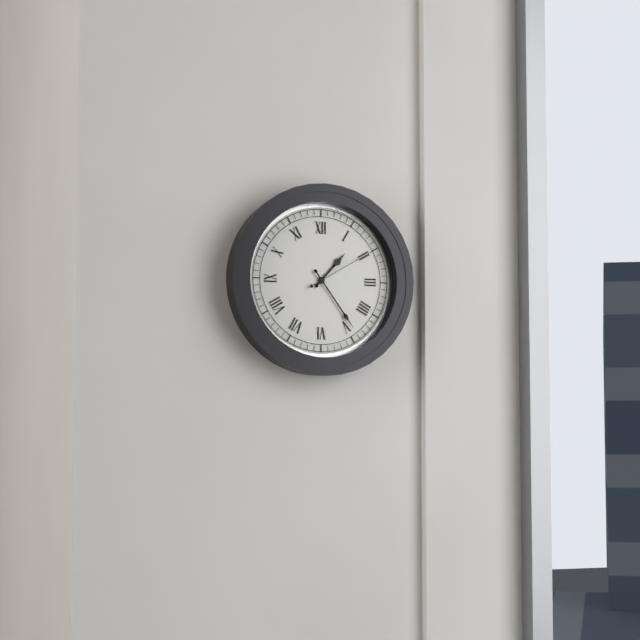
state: 1:24:10
